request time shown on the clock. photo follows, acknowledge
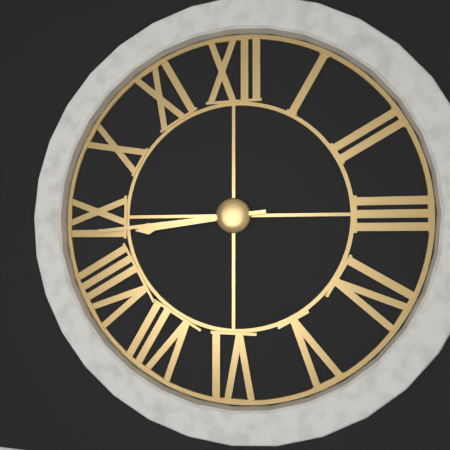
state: 8:44
